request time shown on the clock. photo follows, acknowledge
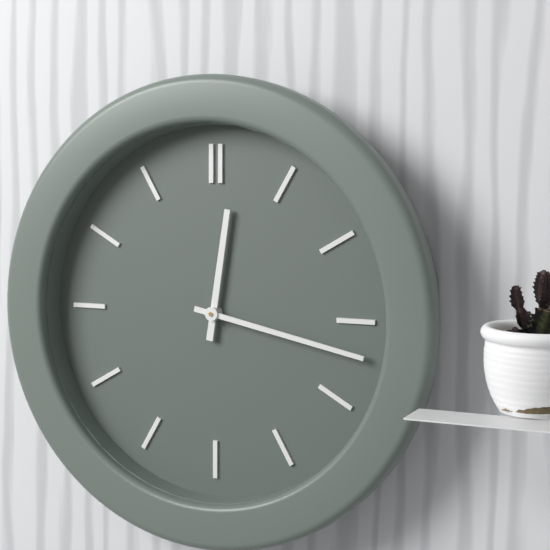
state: 12:17
